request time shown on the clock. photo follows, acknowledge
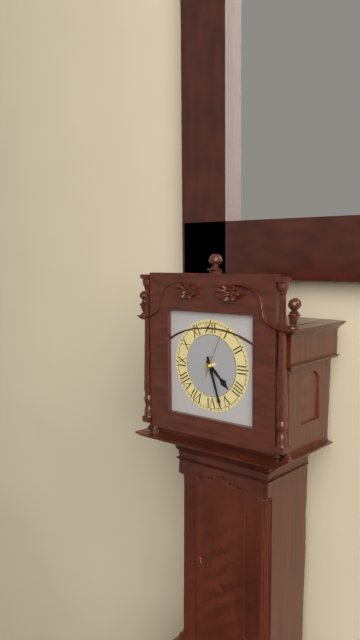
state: 4:27
